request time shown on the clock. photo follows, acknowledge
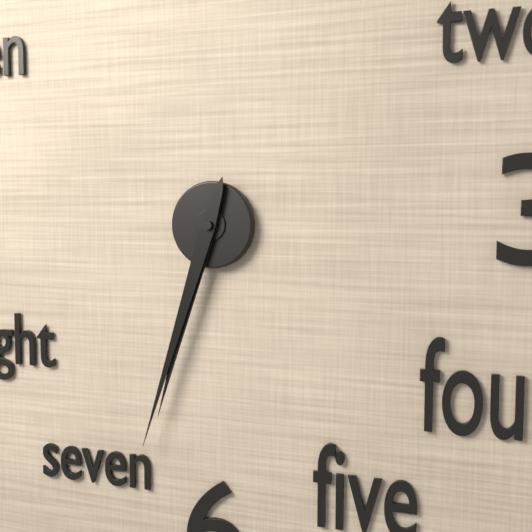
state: 6:33
